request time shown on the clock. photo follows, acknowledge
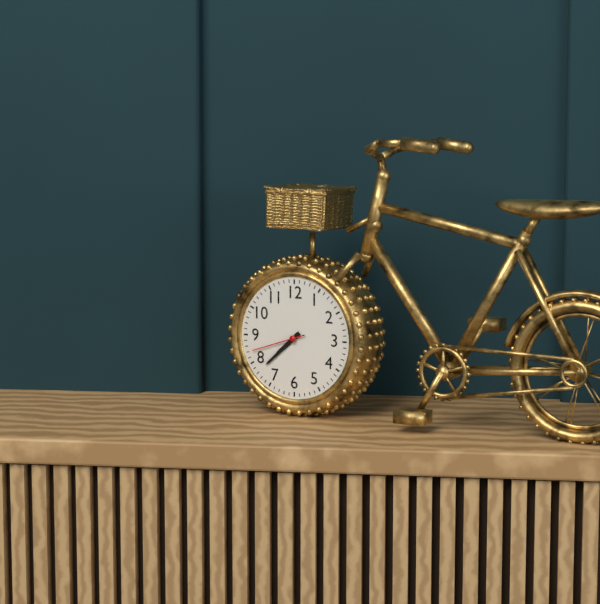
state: 7:38:42
